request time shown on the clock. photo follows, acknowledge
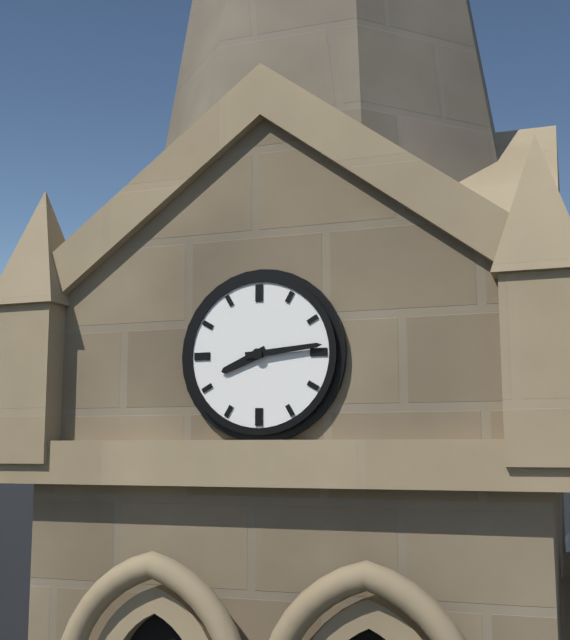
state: 8:14
